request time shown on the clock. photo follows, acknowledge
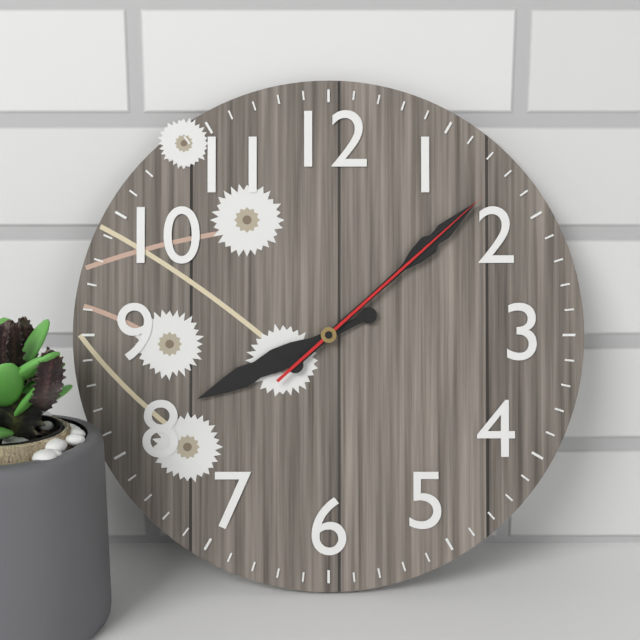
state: 8:08:08
